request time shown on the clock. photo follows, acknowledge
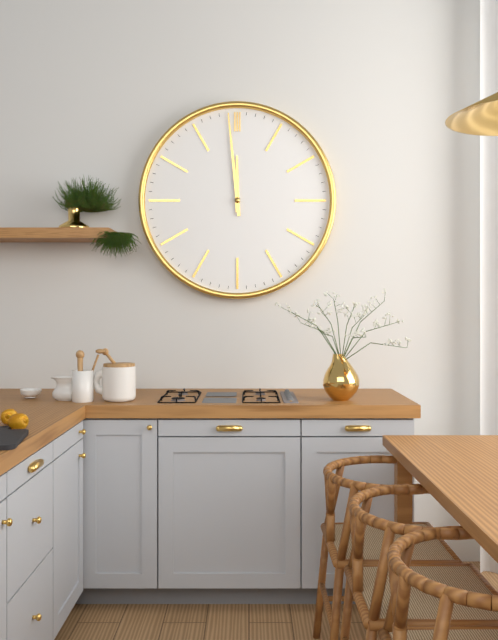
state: 11:59
